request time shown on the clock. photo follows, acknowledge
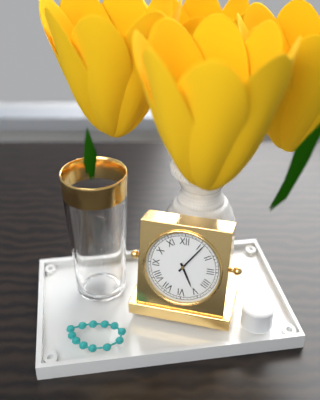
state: 5:06
